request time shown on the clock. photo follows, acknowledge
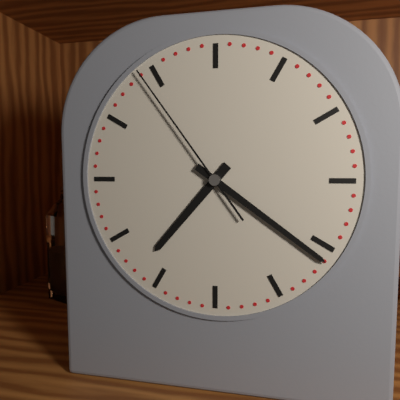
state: 7:21:54
